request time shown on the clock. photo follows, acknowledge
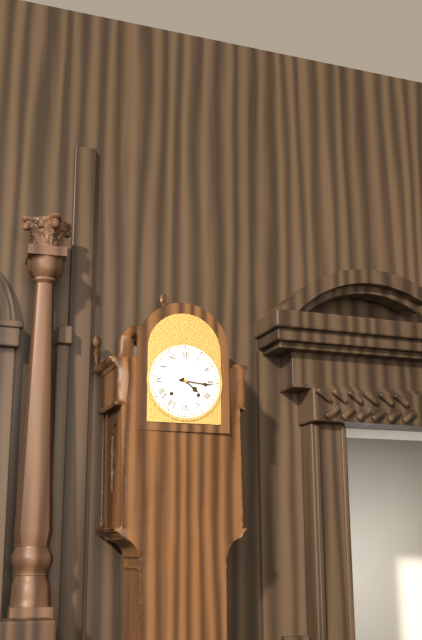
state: 4:16
